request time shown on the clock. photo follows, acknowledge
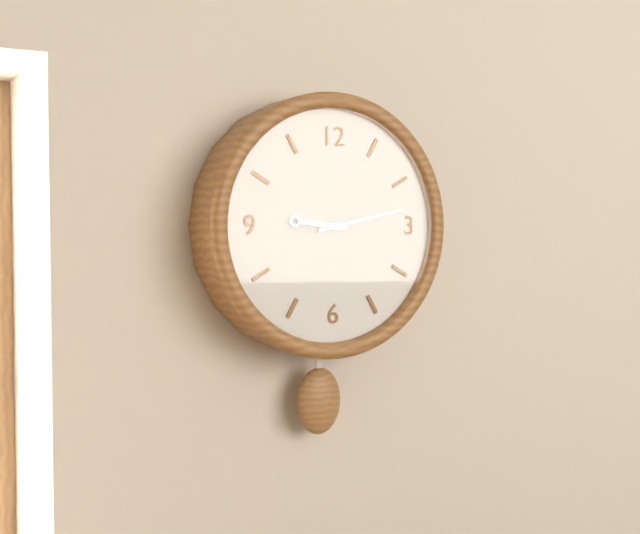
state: 9:13
